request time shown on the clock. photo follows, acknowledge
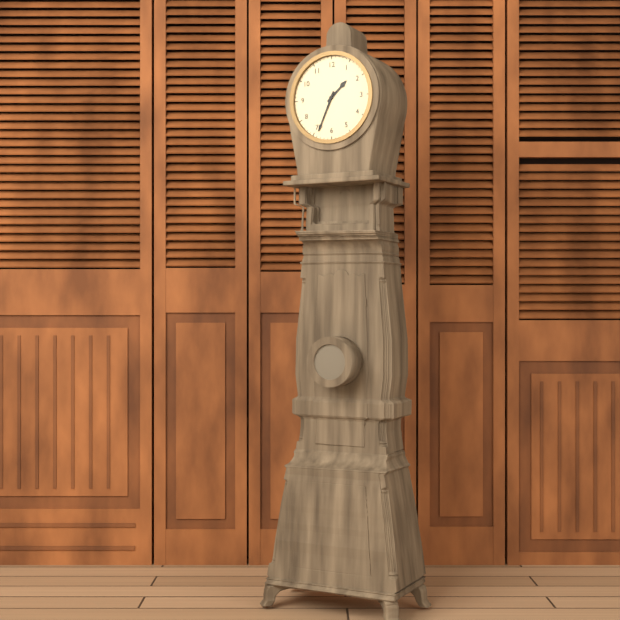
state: 1:34
